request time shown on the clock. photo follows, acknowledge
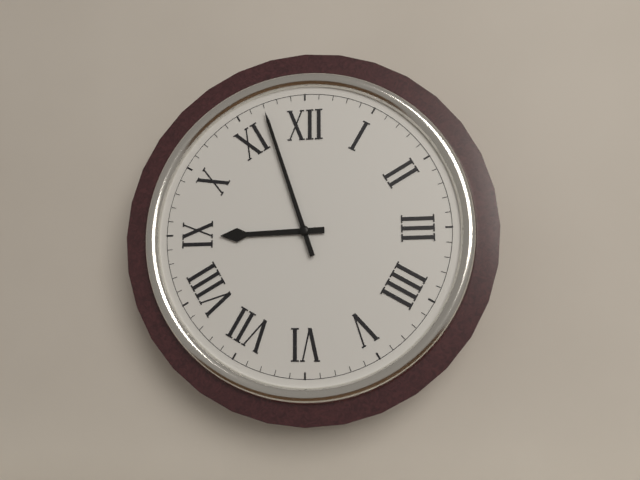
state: 8:57
